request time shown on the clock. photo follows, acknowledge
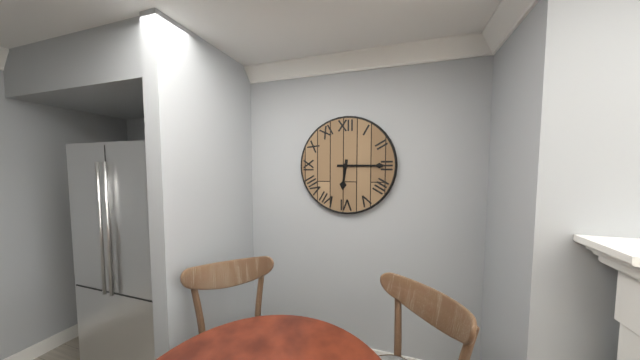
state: 6:15
